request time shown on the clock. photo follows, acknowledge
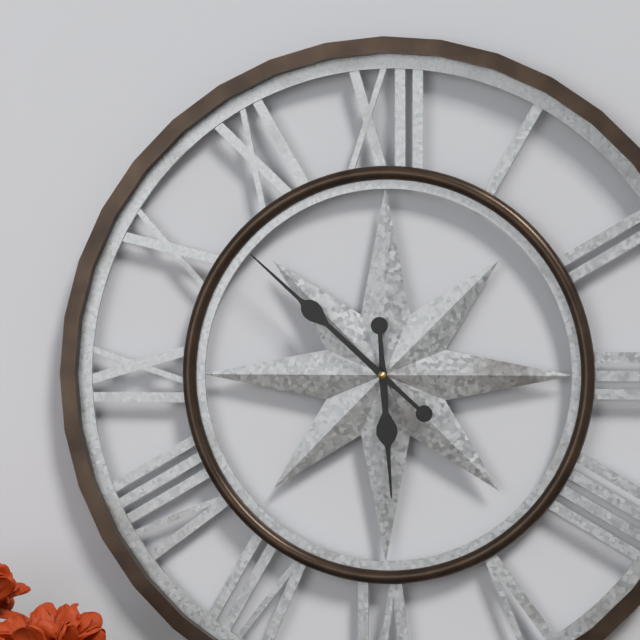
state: 5:52
